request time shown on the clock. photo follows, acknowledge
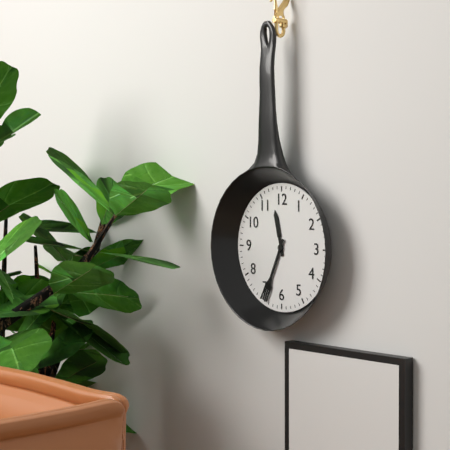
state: 11:34
